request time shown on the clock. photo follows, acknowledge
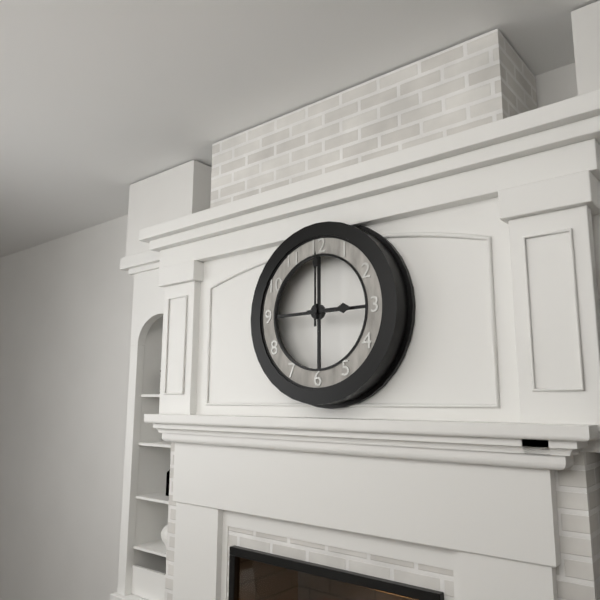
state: 3:00
